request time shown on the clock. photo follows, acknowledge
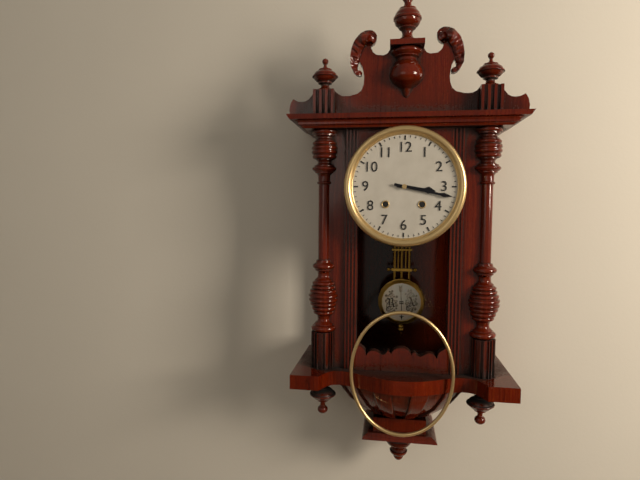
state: 3:17
